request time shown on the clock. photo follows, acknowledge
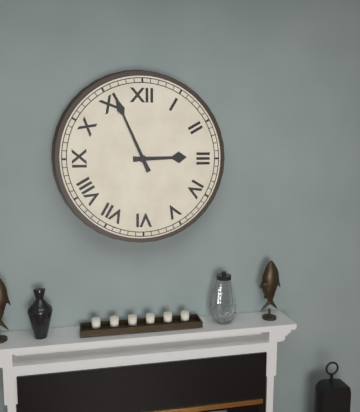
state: 2:56
